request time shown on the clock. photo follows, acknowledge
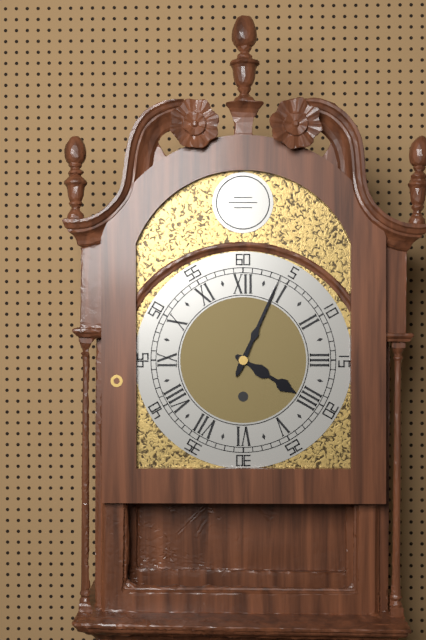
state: 4:04
